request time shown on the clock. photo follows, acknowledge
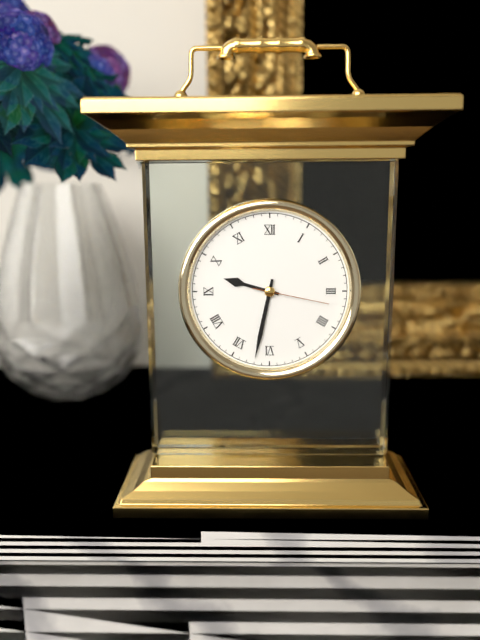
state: 9:32:17
